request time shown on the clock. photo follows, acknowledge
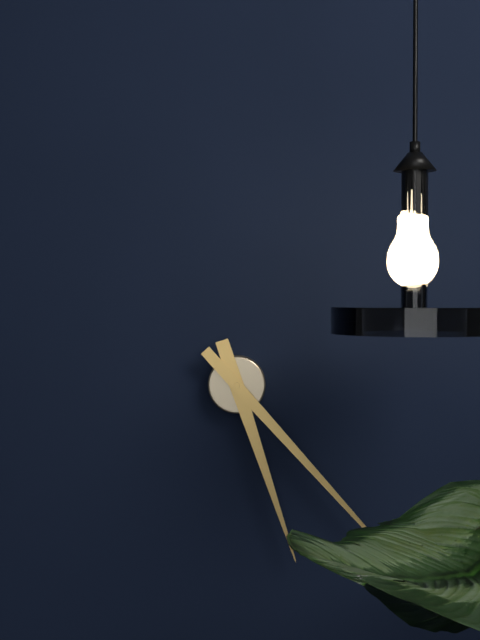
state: 5:23
